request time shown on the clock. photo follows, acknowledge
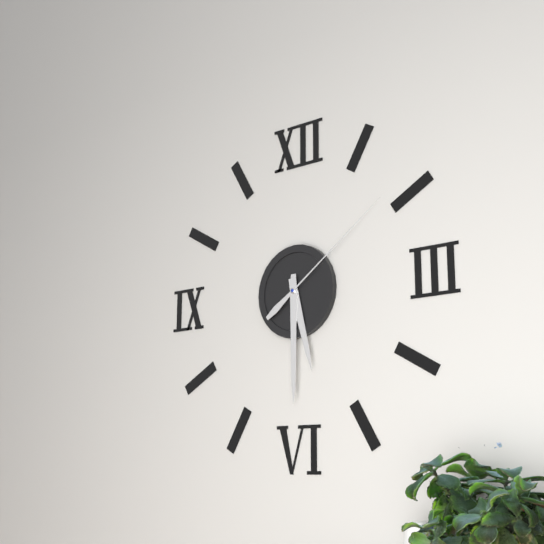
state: 5:30:09
